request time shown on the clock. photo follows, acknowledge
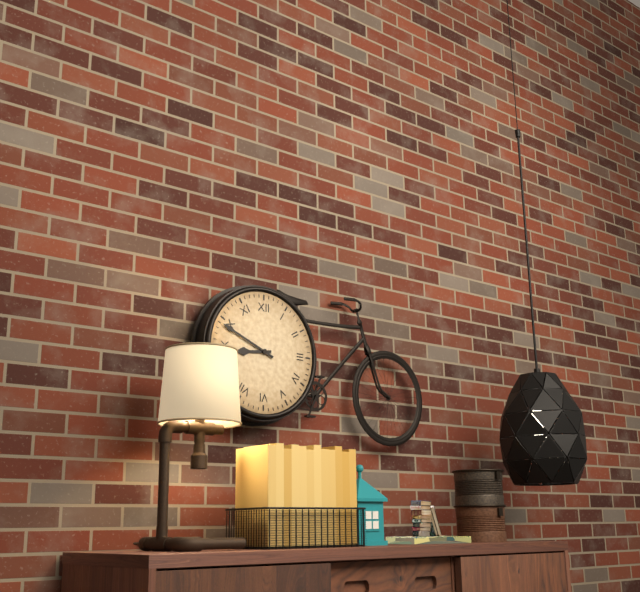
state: 8:49
